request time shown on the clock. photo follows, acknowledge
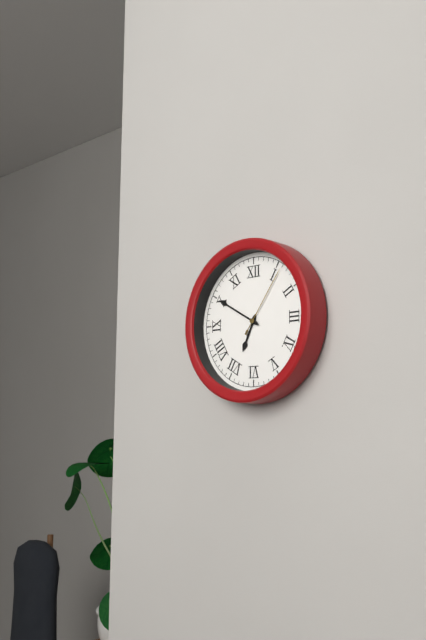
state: 6:50:06
